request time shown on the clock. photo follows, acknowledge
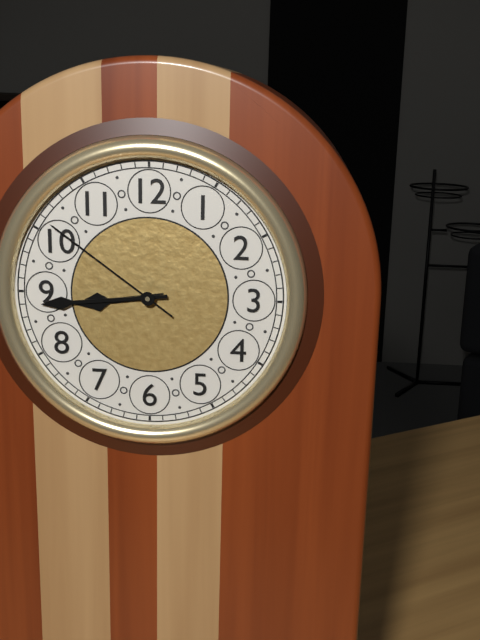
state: 8:44:51
